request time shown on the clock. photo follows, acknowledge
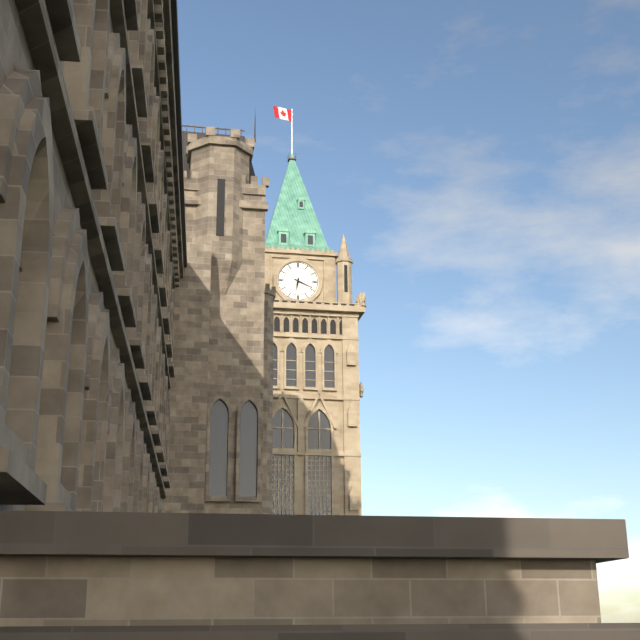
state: 6:19
